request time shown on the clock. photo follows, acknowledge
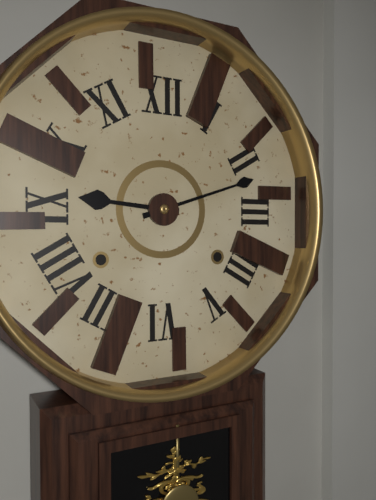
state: 9:12
